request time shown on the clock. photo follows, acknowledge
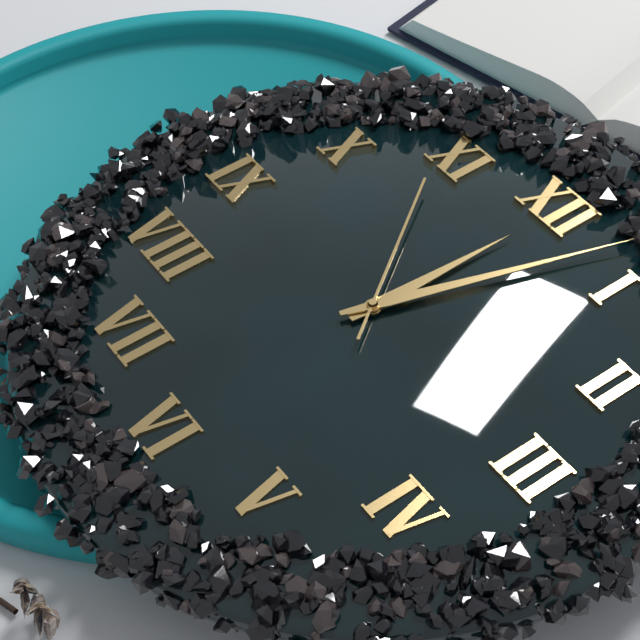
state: 12:03:54
